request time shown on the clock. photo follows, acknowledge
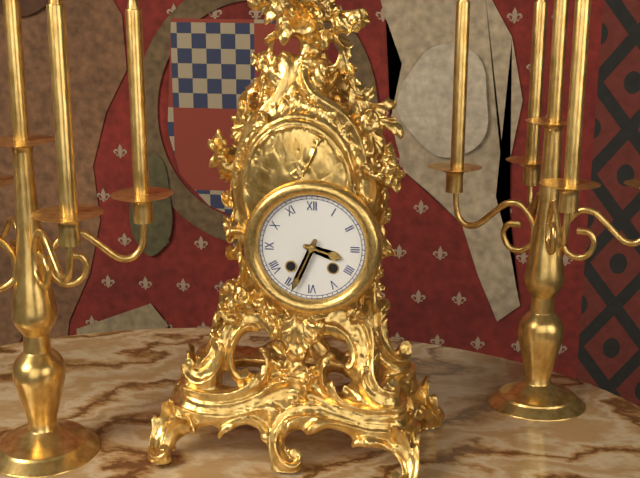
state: 3:34
